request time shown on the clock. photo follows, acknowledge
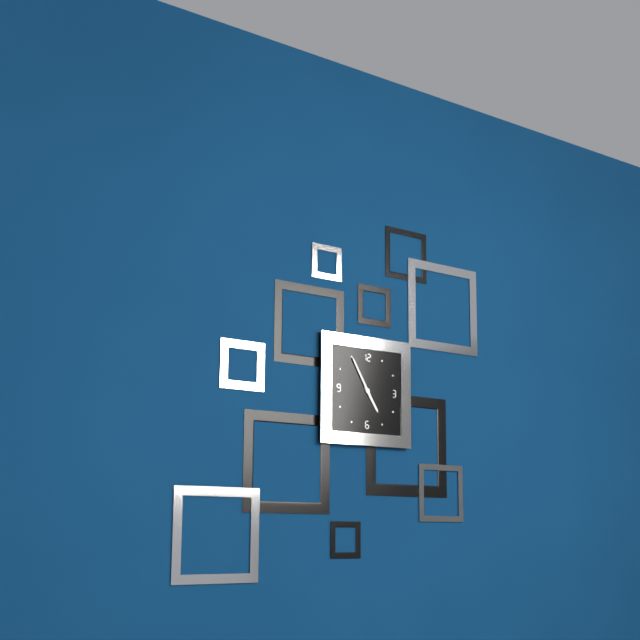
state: 4:55
